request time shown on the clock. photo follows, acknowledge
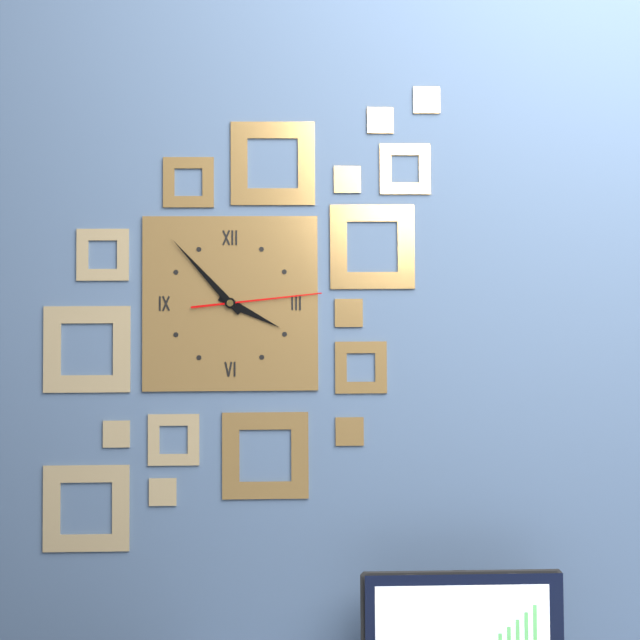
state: 3:53:14
